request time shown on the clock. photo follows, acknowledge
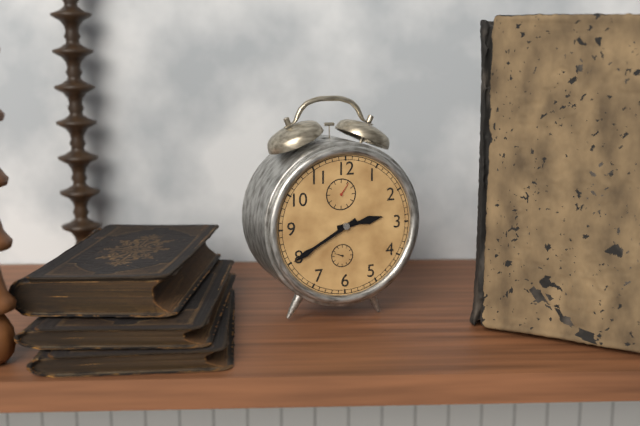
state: 2:40
